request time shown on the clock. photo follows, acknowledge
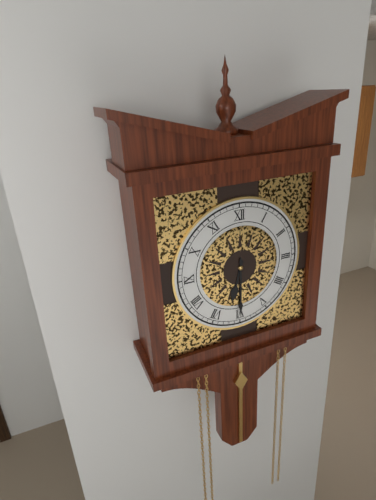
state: 6:30
